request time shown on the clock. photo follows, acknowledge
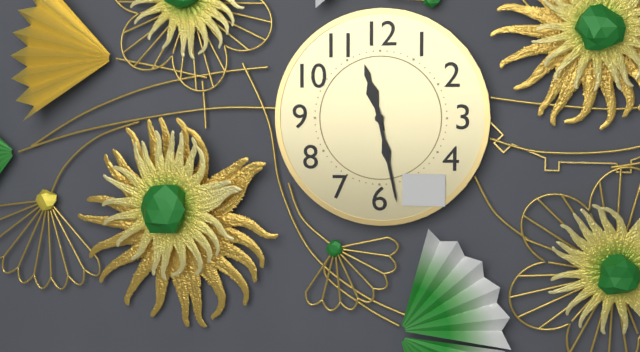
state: 11:28
